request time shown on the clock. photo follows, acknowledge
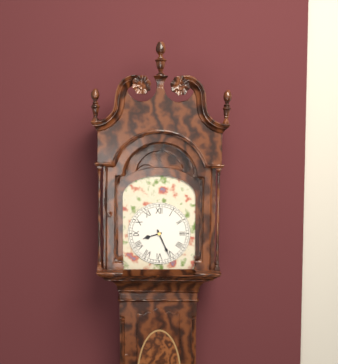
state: 8:26
